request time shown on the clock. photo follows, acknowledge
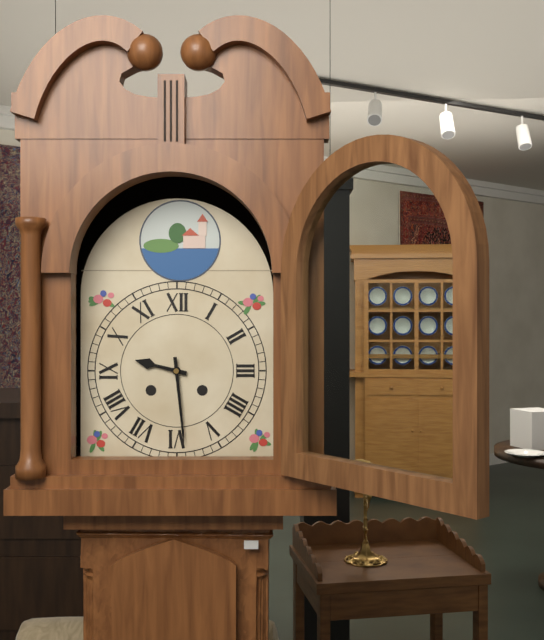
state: 9:29
